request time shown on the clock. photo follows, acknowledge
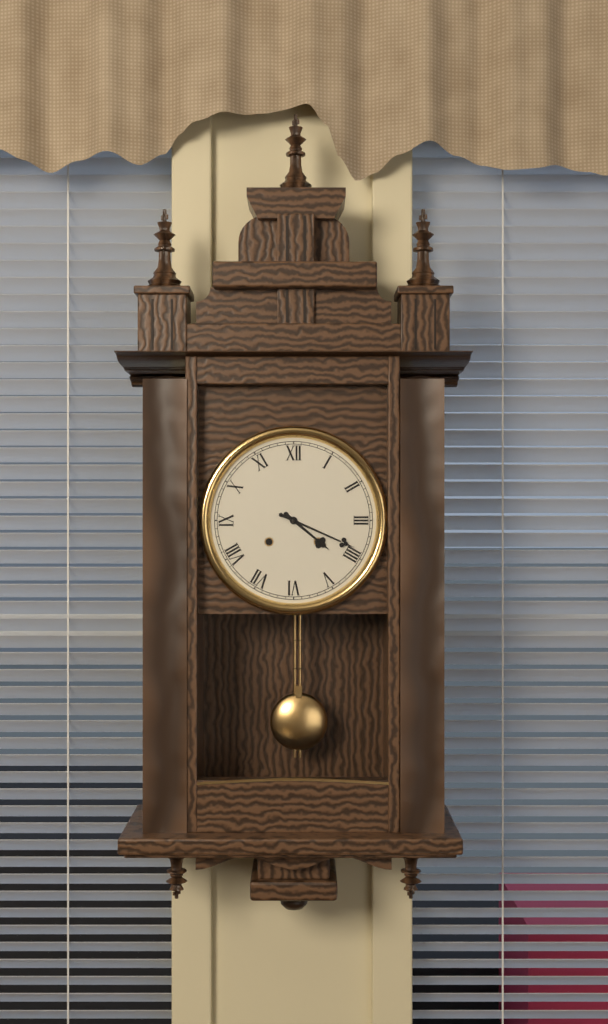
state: 4:19
